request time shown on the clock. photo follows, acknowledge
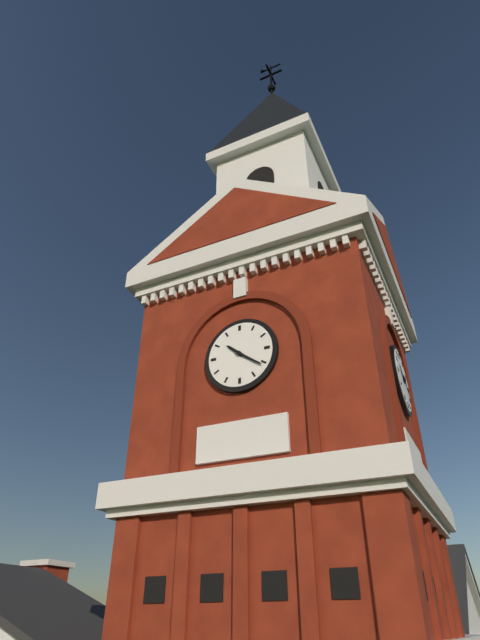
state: 10:21
